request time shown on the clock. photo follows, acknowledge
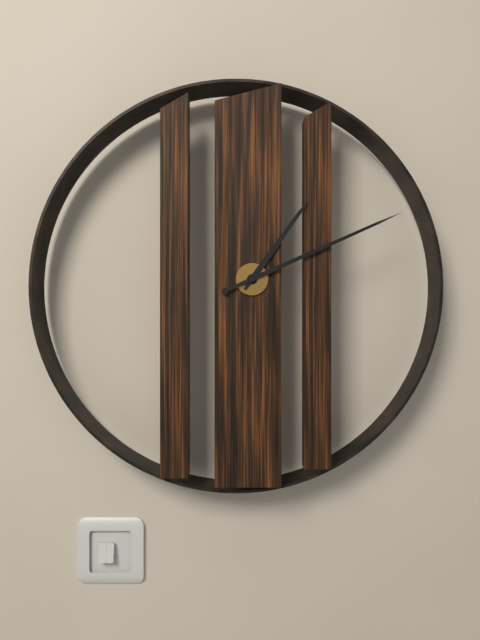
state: 1:11
